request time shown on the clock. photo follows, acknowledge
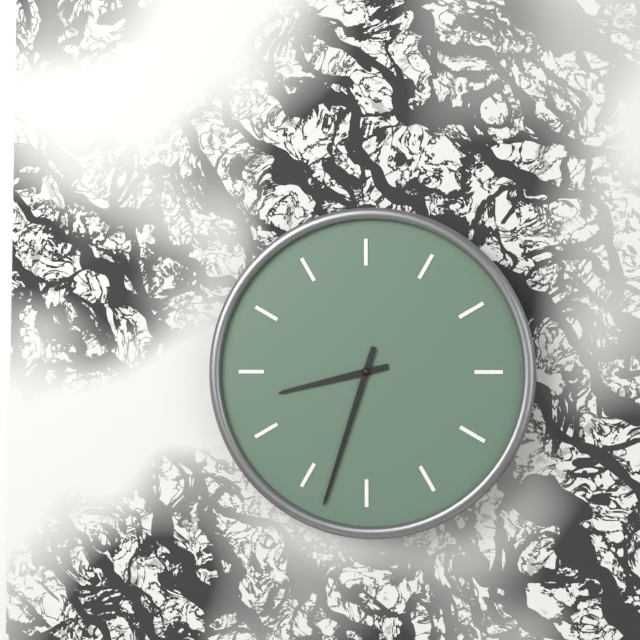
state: 8:33
